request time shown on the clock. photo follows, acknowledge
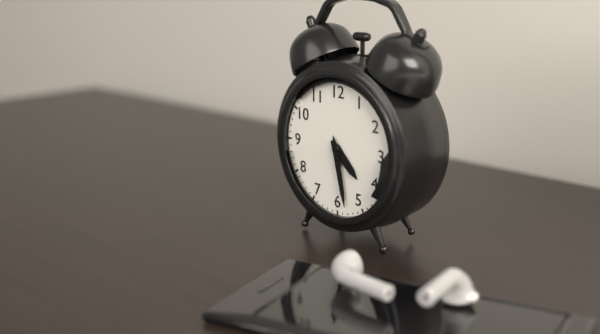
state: 4:28
